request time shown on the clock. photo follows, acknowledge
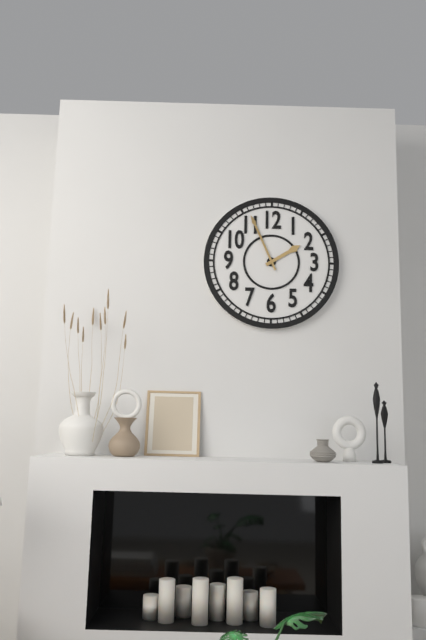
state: 1:56
